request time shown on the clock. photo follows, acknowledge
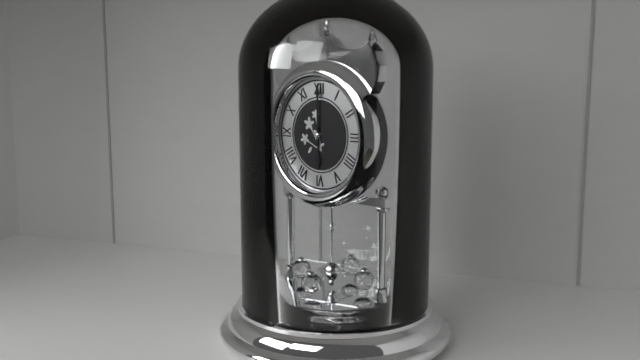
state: 6:00
